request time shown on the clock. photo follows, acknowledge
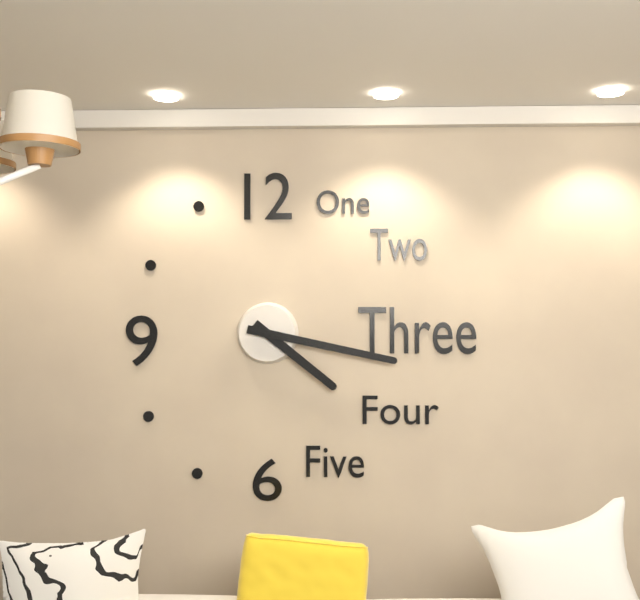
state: 4:17
